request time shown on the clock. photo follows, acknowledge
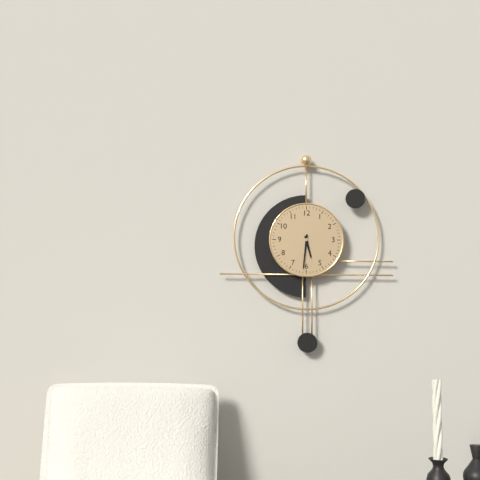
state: 5:31
